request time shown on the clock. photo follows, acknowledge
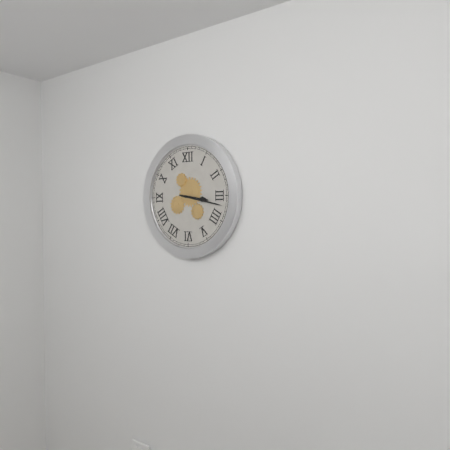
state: 3:17
